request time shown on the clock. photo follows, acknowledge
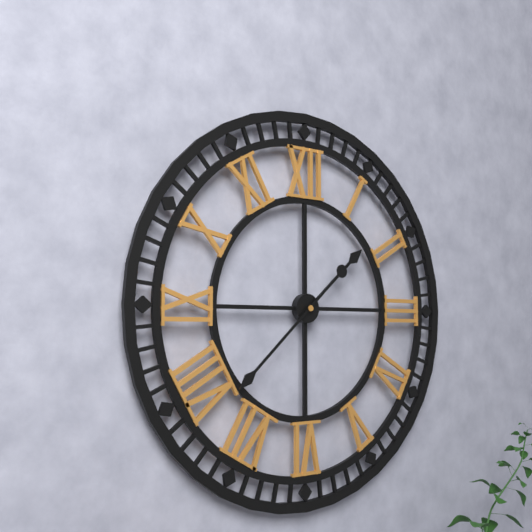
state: 1:38
